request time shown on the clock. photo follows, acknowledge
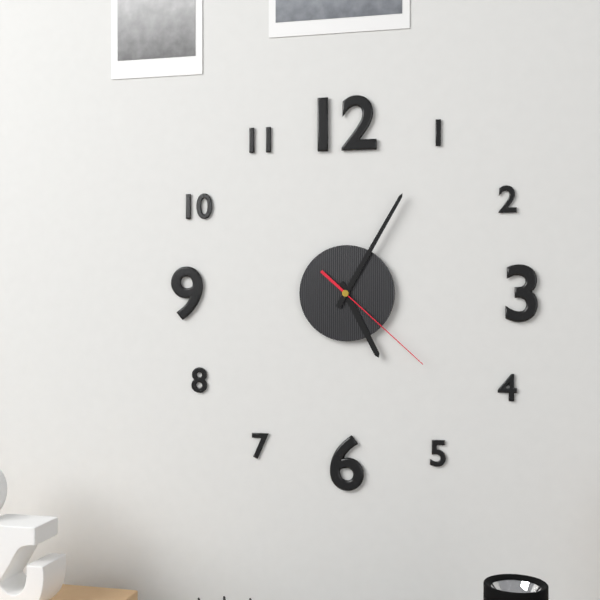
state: 5:05:22
